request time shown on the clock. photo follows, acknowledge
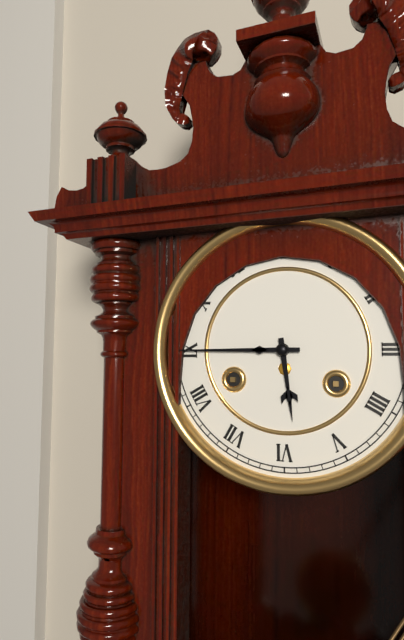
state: 5:45
